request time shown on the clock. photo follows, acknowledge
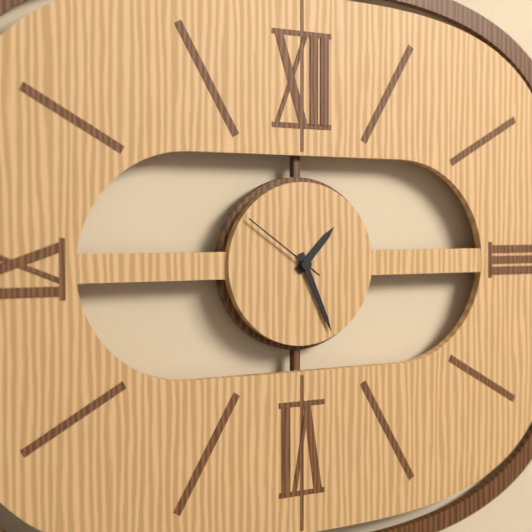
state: 1:26:51
